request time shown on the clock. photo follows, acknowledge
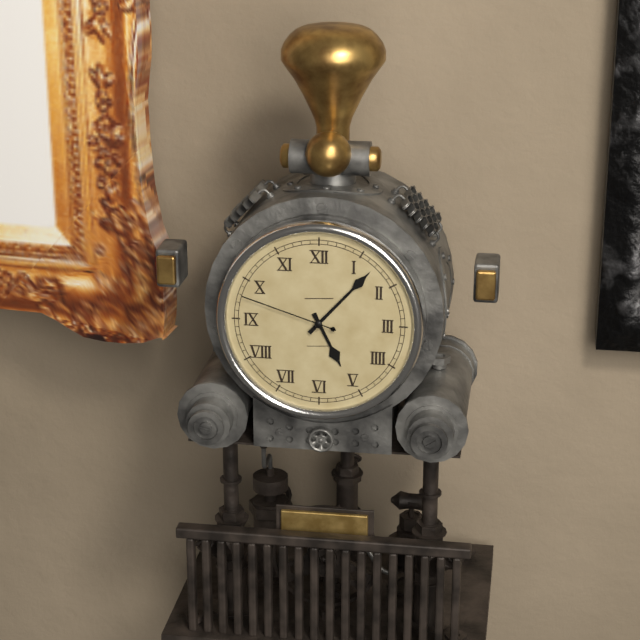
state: 5:07:48
